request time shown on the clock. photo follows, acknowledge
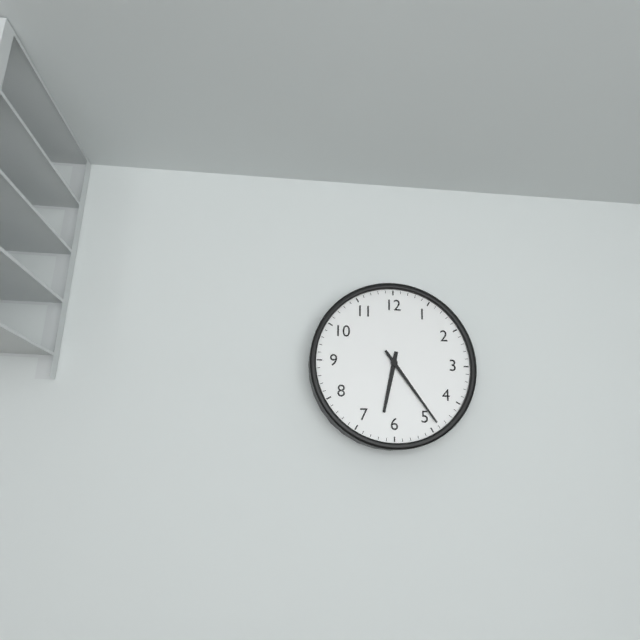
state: 6:24
